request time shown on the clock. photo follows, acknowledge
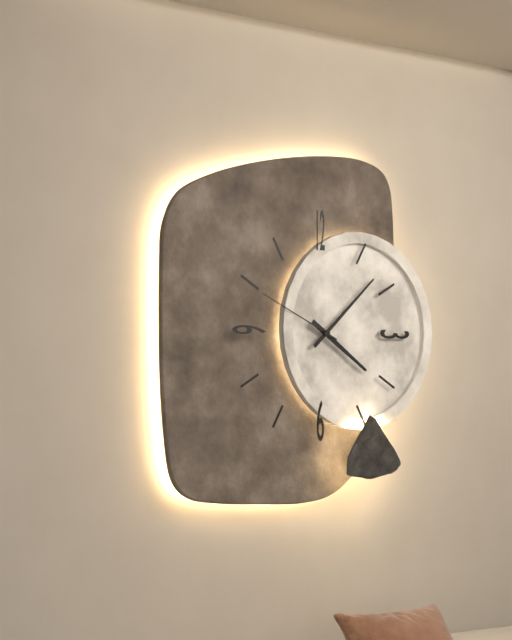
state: 4:08:49
